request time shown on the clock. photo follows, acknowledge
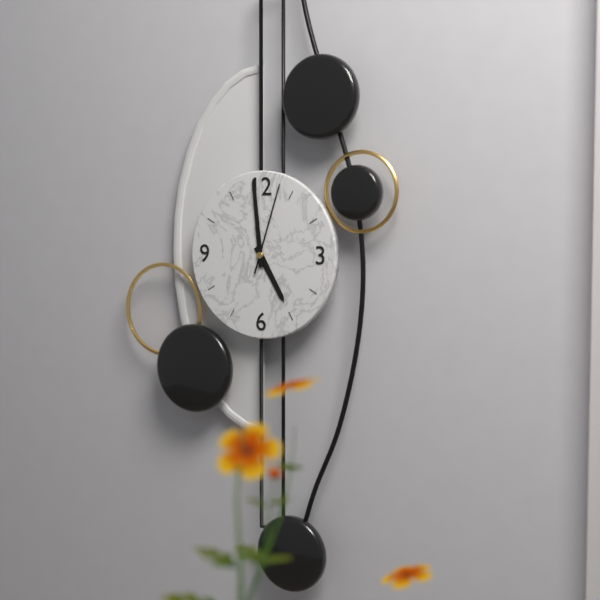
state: 4:59:03
